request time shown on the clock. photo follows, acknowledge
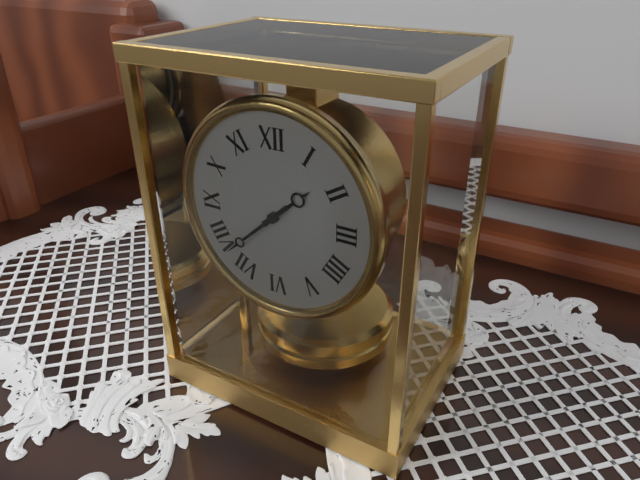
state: 1:38
